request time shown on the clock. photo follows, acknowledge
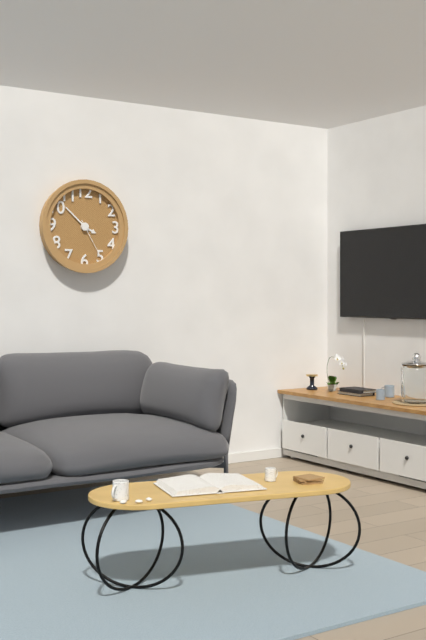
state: 3:52
